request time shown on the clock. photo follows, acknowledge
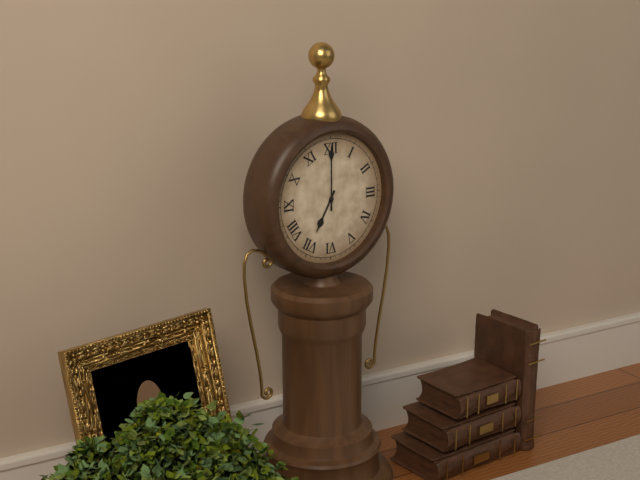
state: 7:00
